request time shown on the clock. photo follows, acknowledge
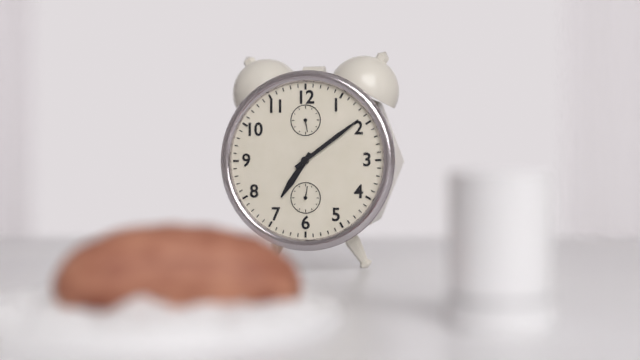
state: 7:09
